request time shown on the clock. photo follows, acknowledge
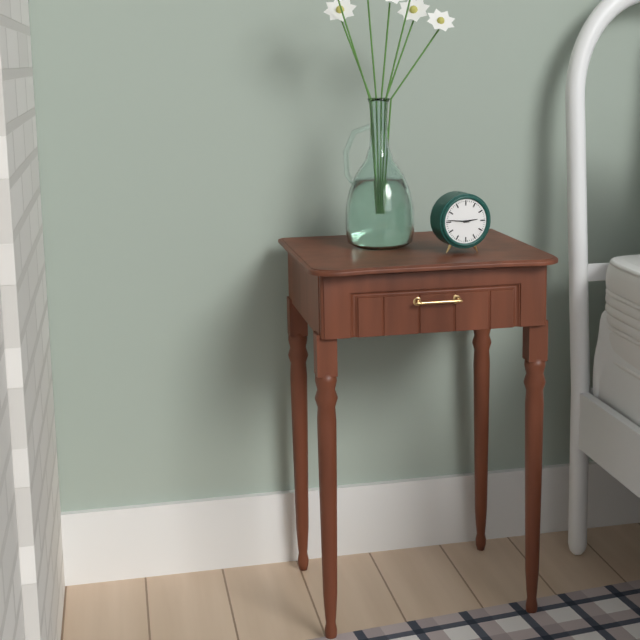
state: 2:46
